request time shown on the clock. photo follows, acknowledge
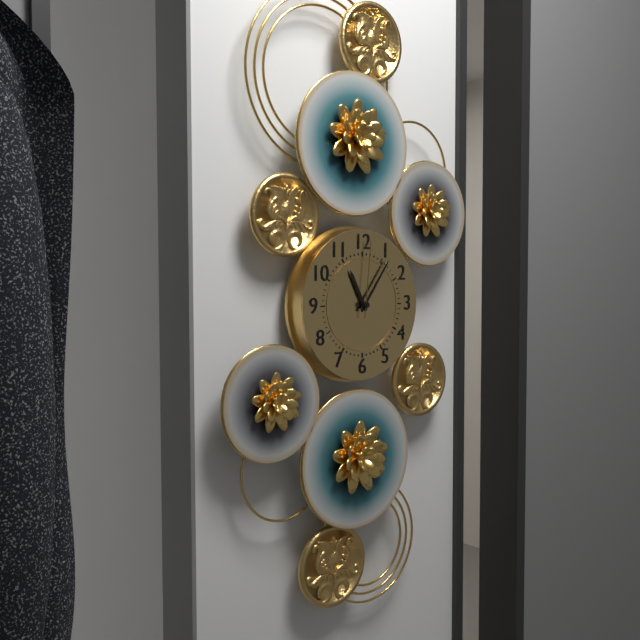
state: 11:06:01
